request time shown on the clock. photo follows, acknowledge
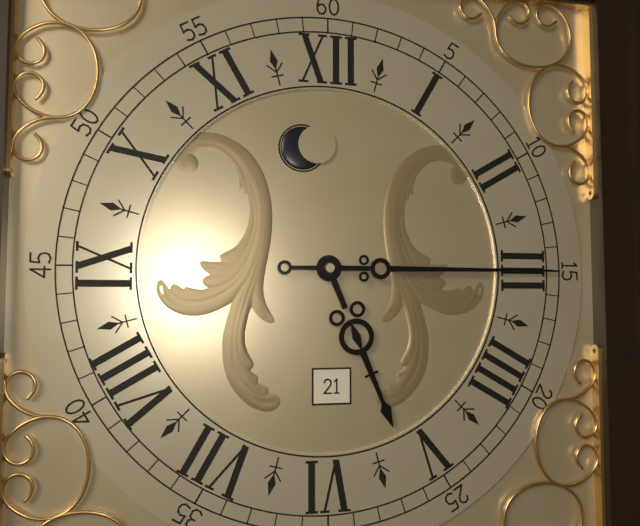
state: 5:15
